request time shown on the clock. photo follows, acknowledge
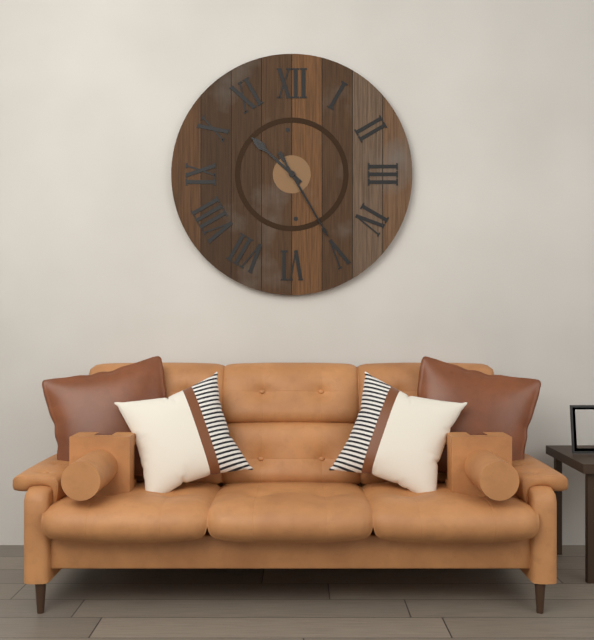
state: 10:25
